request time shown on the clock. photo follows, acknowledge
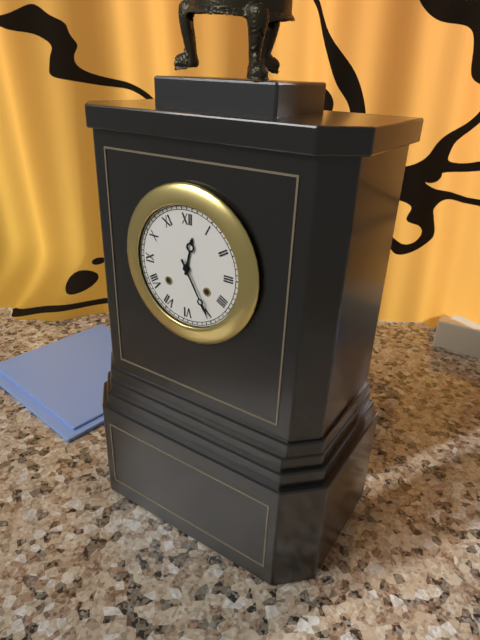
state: 12:25
